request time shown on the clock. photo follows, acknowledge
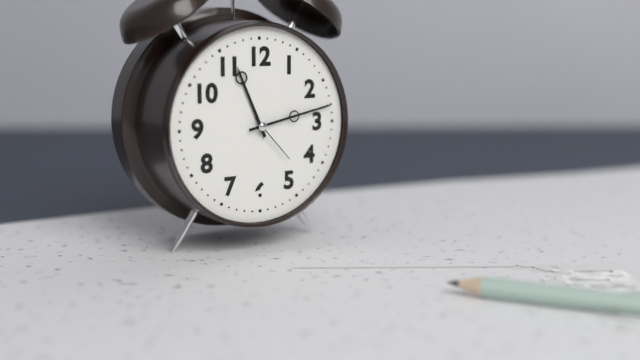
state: 11:13:23
